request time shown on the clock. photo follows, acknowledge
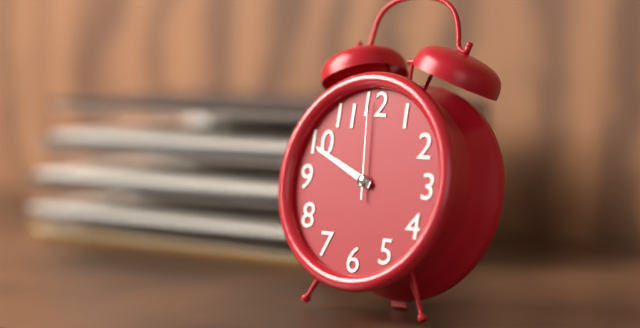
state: 9:49:59
